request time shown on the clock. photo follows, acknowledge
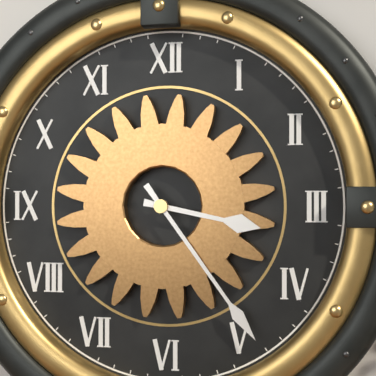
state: 3:24
